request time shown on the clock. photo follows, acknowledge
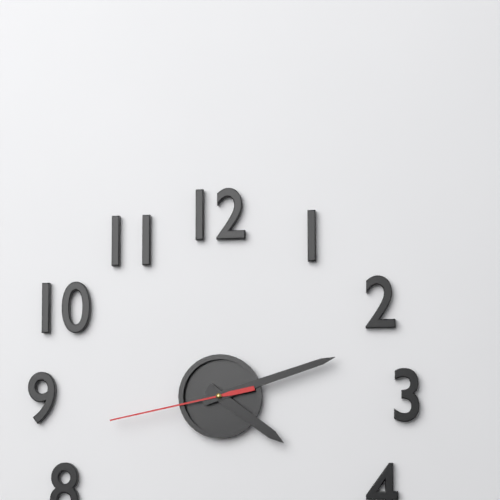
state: 4:12:43
